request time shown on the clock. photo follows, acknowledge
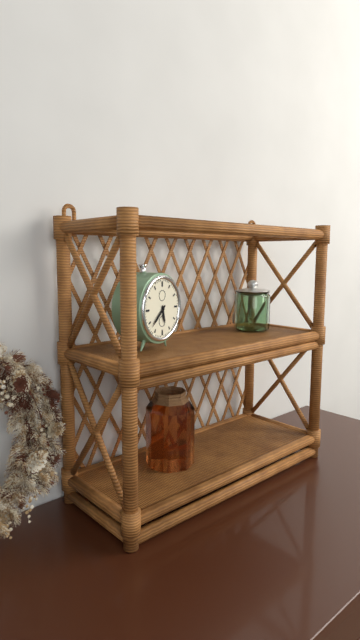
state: 5:38
